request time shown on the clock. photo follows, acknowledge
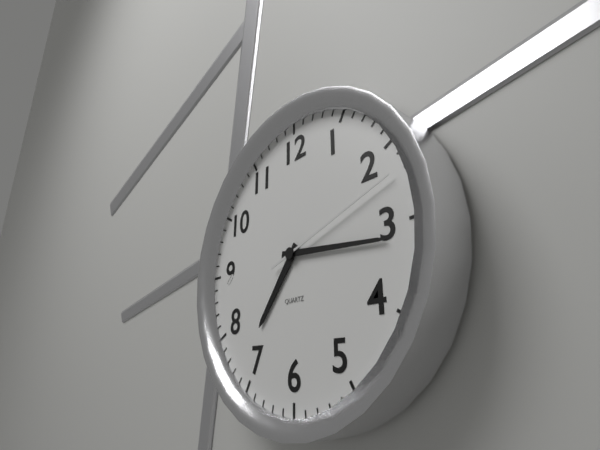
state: 7:16:12
